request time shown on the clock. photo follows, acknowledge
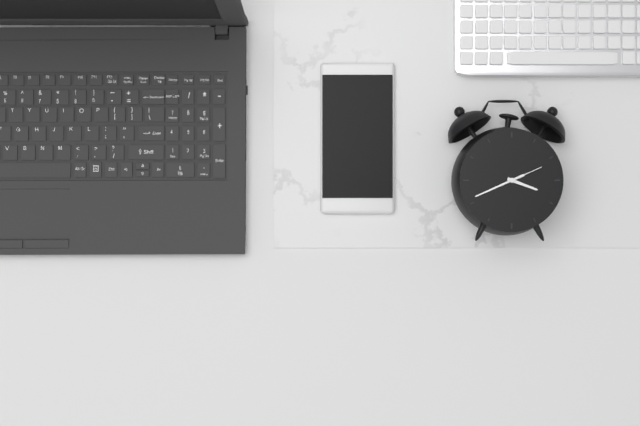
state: 3:41
